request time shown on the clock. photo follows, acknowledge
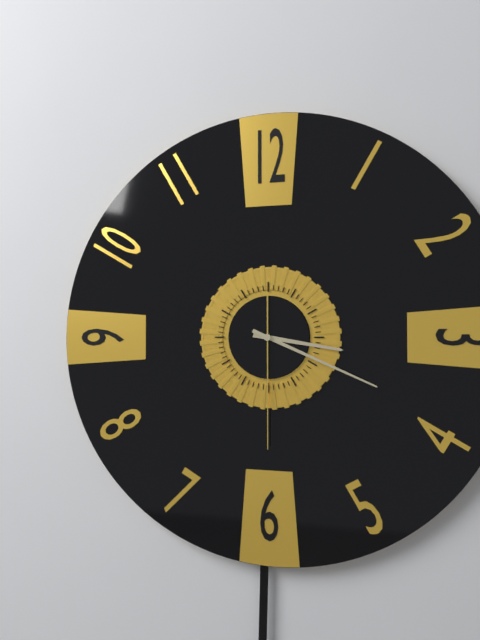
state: 3:19:30
